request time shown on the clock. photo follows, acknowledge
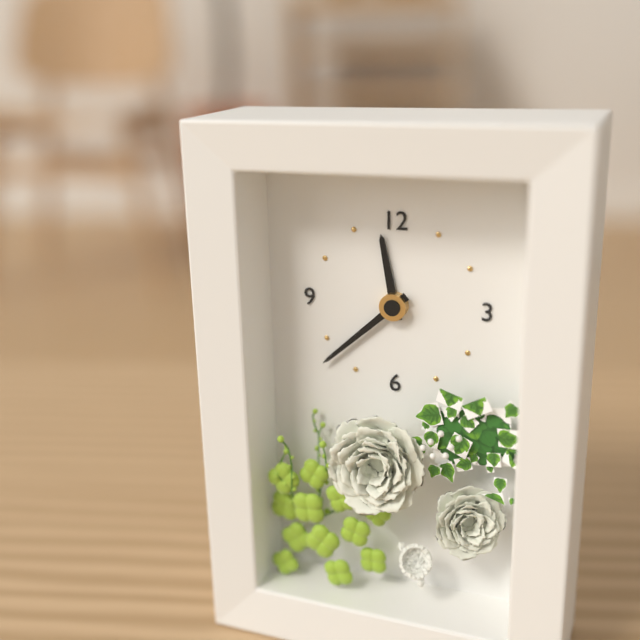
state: 11:38
